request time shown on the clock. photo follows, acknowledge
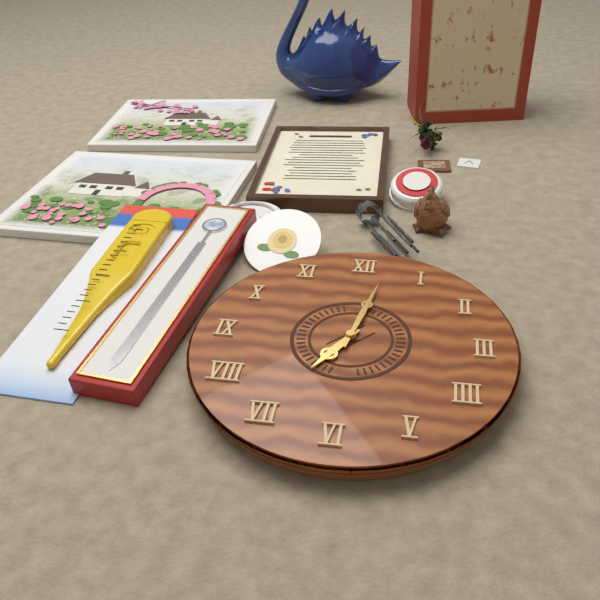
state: 7:02
